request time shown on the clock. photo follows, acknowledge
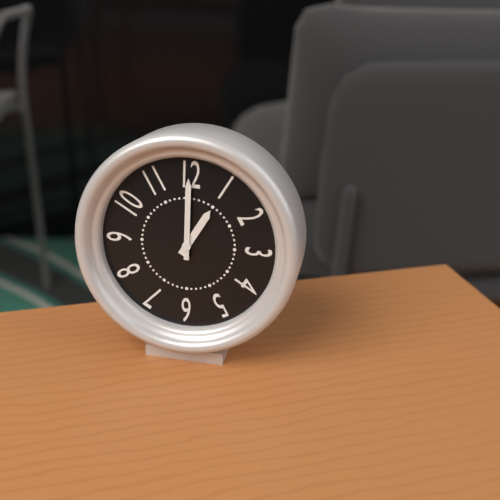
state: 1:00
